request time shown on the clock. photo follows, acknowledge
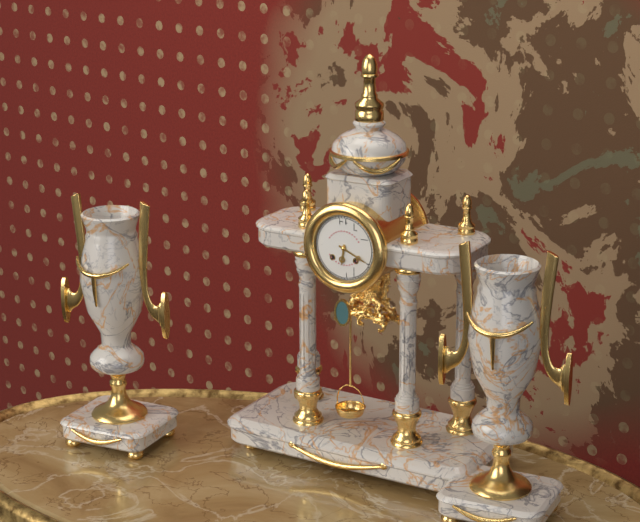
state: 6:19
